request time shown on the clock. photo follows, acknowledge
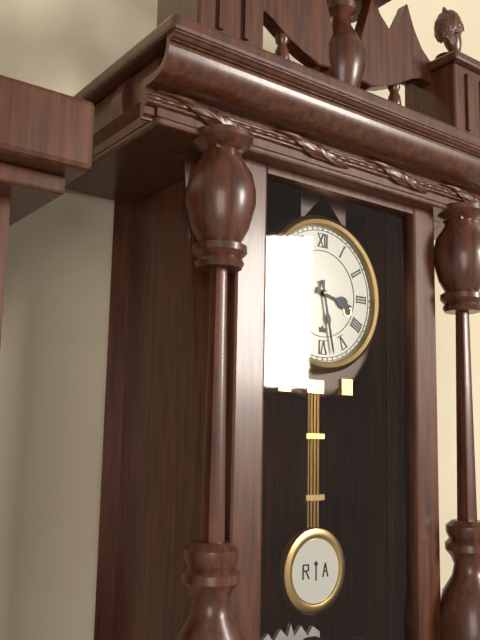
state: 3:28
